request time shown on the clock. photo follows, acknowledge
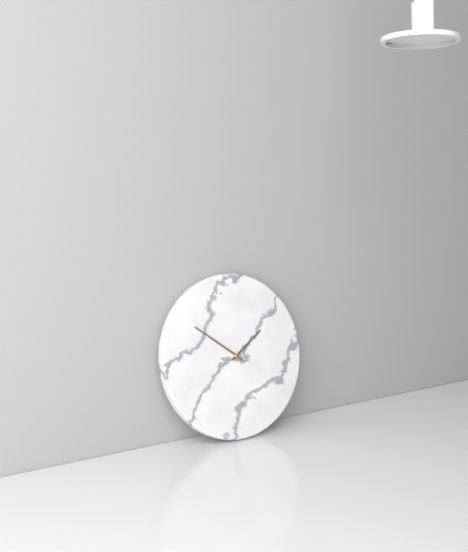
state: 1:51
